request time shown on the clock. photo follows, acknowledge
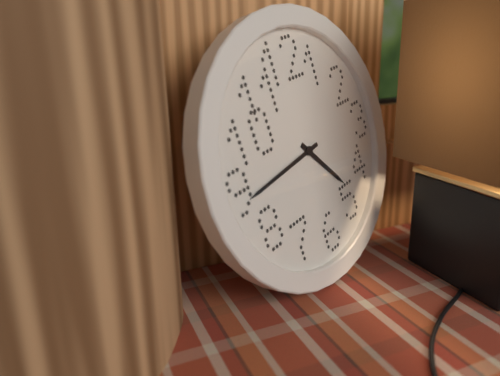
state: 4:44
